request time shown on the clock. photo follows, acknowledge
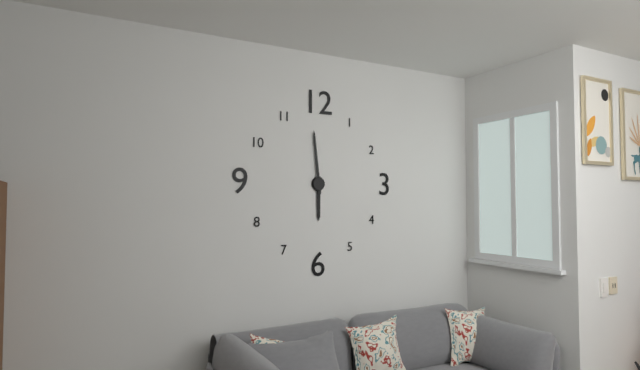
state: 5:59
